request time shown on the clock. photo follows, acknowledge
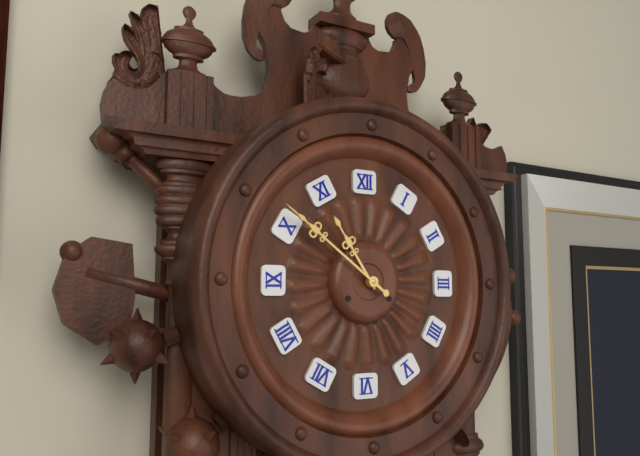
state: 10:51
